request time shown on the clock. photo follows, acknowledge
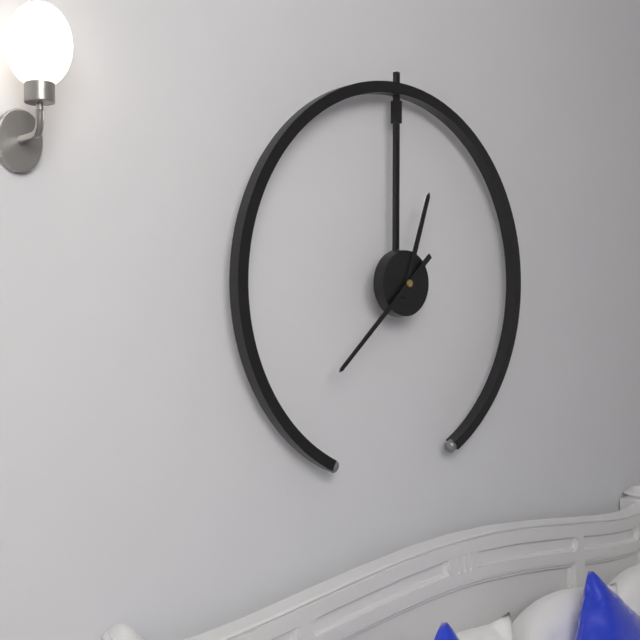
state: 12:38
